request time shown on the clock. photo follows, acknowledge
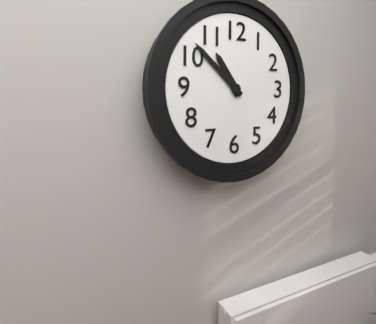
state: 10:52
